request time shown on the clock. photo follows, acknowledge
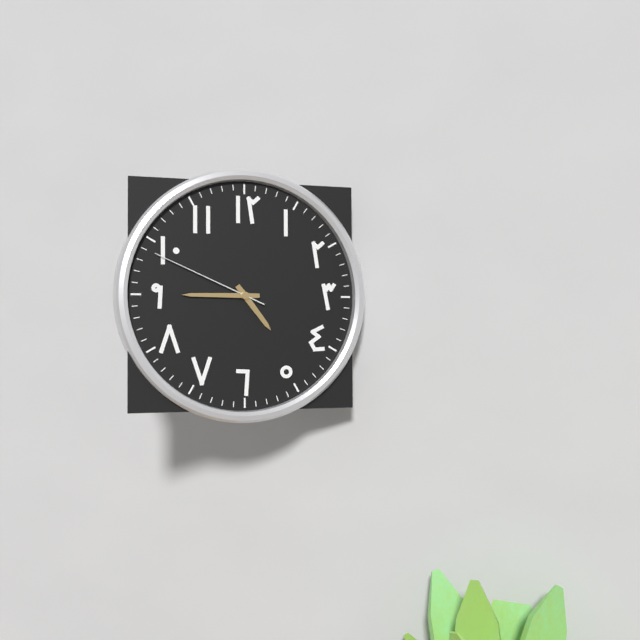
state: 4:45:49
